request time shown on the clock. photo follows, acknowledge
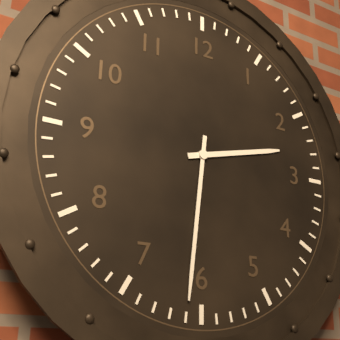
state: 2:31
